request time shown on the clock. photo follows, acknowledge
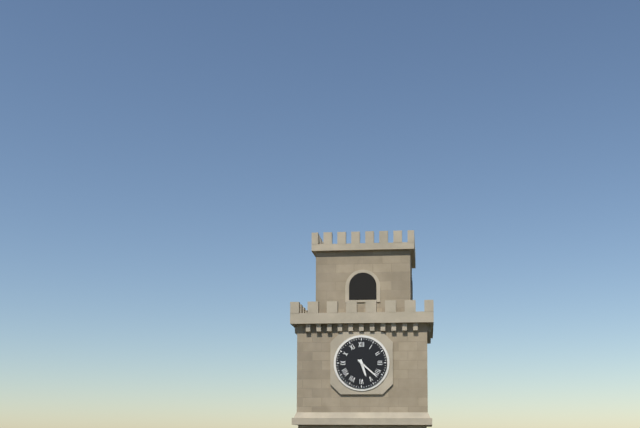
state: 5:22
